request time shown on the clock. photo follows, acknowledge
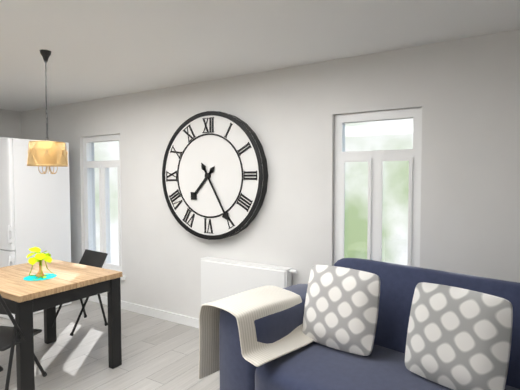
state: 7:25
